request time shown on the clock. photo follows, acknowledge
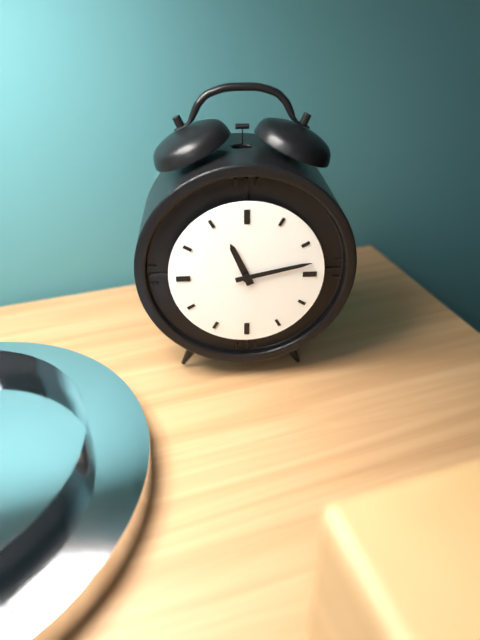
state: 11:13
